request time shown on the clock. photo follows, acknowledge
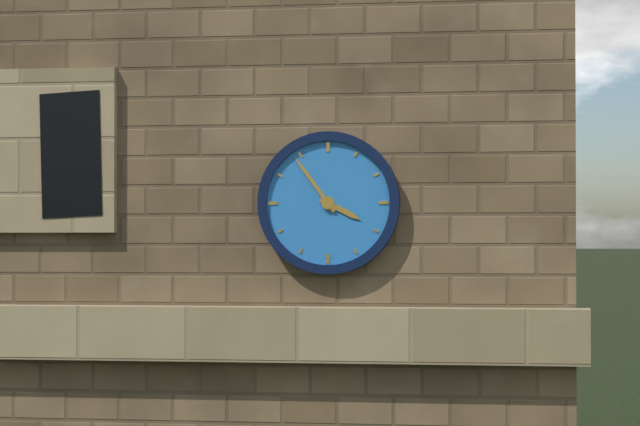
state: 3:54
